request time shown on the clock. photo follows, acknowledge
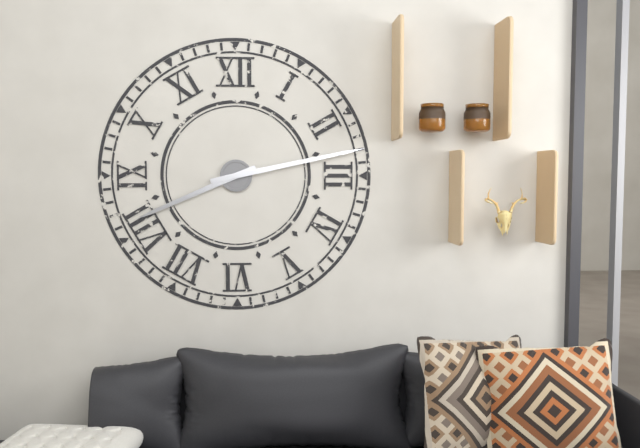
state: 8:13
